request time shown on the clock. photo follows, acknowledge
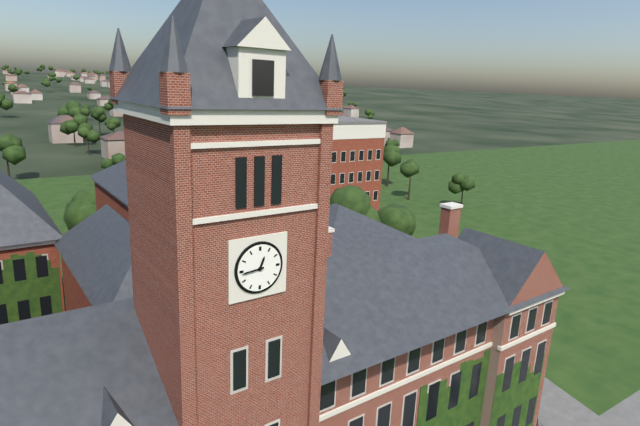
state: 12:44
